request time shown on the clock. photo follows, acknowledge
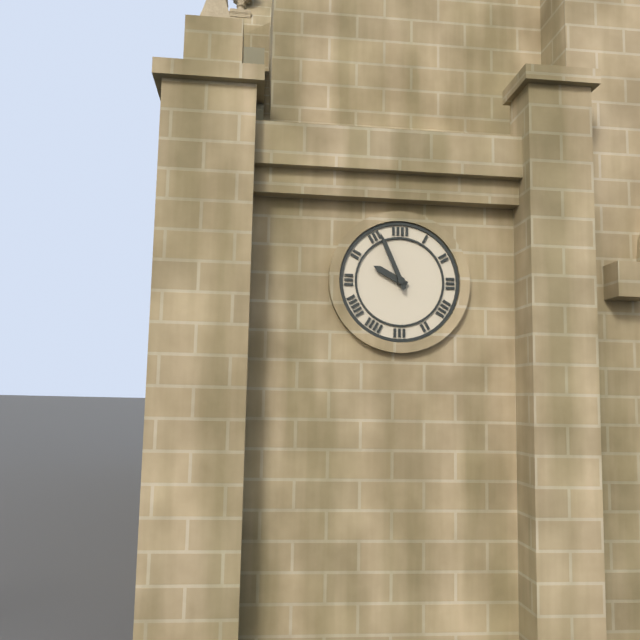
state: 9:56
